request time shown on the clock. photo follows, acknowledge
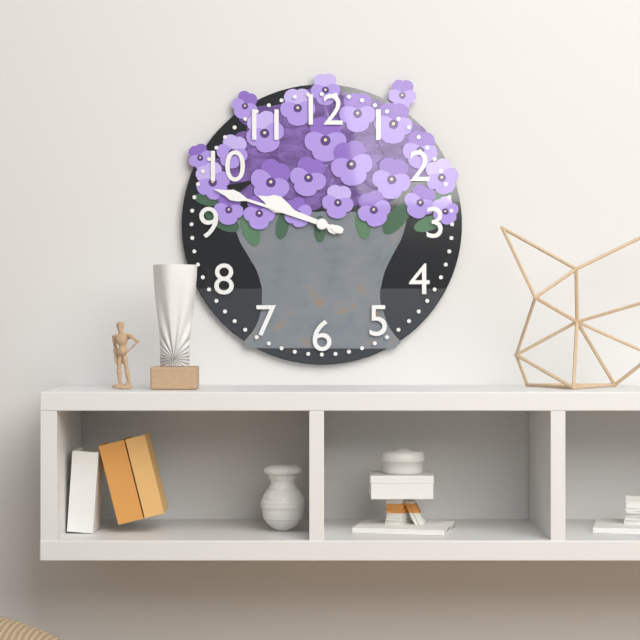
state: 9:48
